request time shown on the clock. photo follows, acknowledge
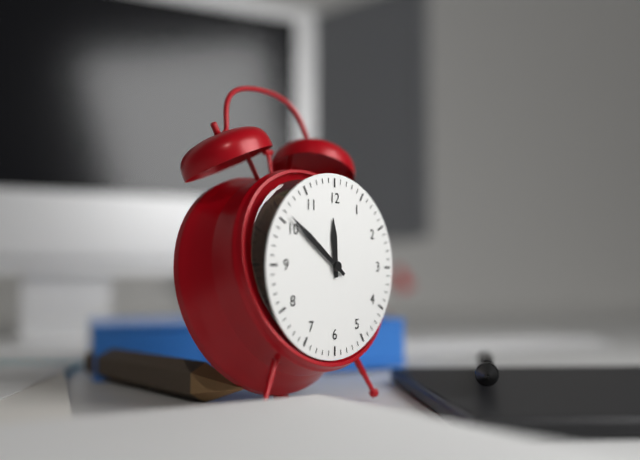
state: 11:51
